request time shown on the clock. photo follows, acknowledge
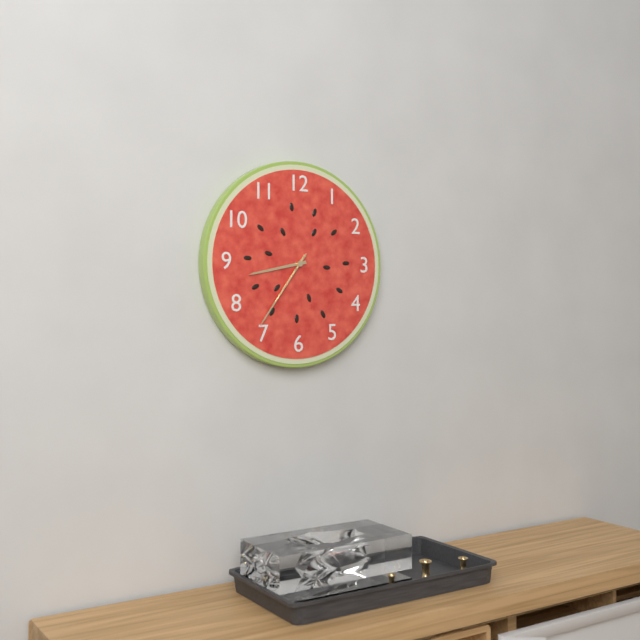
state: 8:36:36
